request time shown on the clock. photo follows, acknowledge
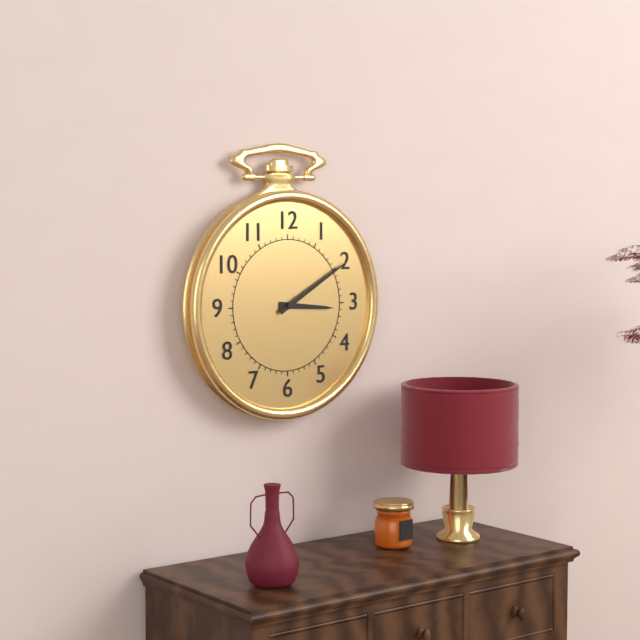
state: 3:10
